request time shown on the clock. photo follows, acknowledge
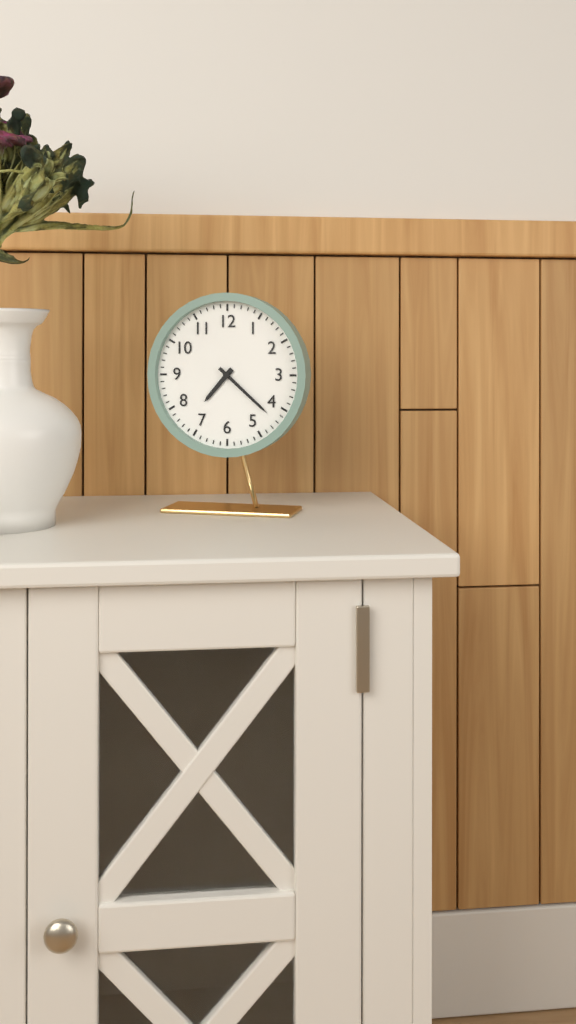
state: 7:22
